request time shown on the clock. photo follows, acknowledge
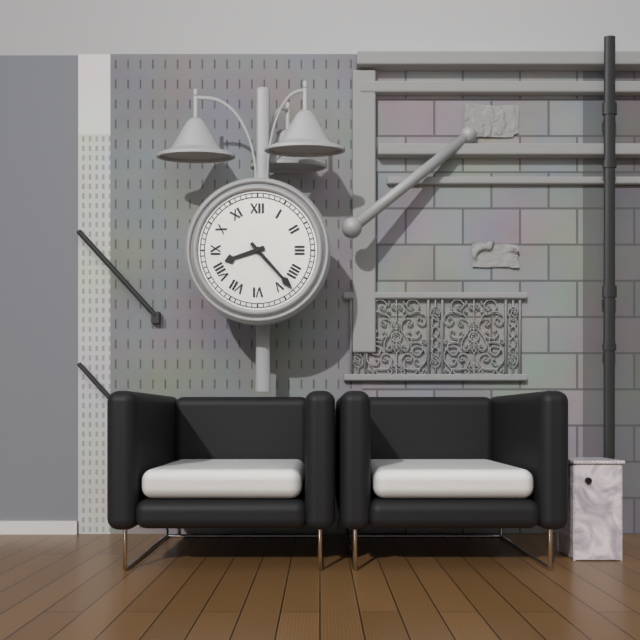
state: 8:23
